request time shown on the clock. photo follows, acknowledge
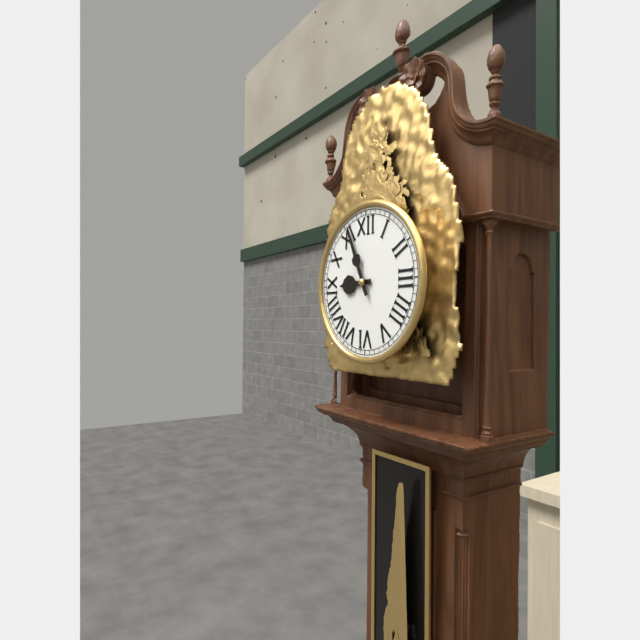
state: 8:56
